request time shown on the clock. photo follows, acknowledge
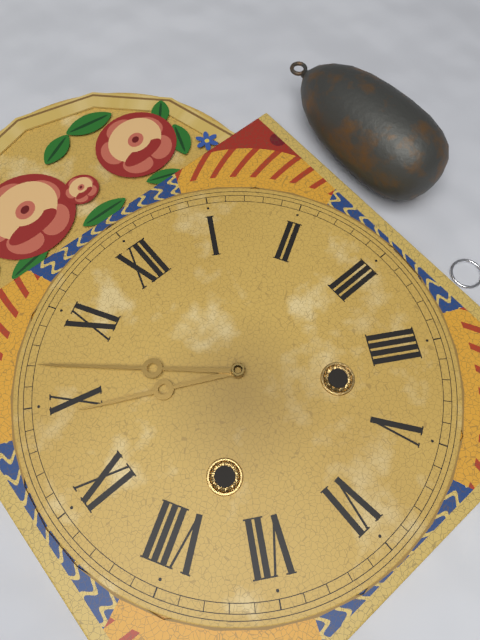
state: 9:52
